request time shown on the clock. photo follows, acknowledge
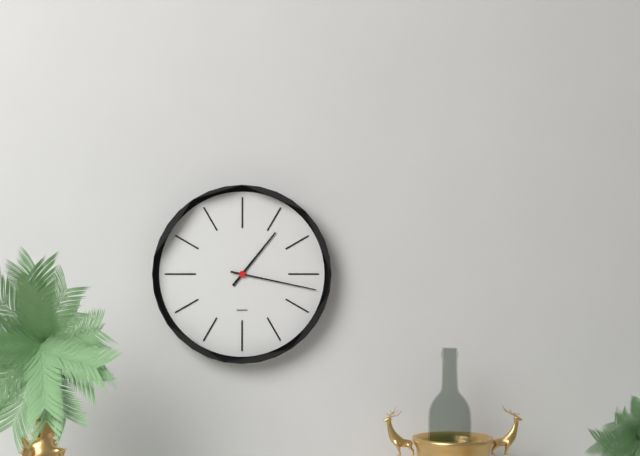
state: 1:17
